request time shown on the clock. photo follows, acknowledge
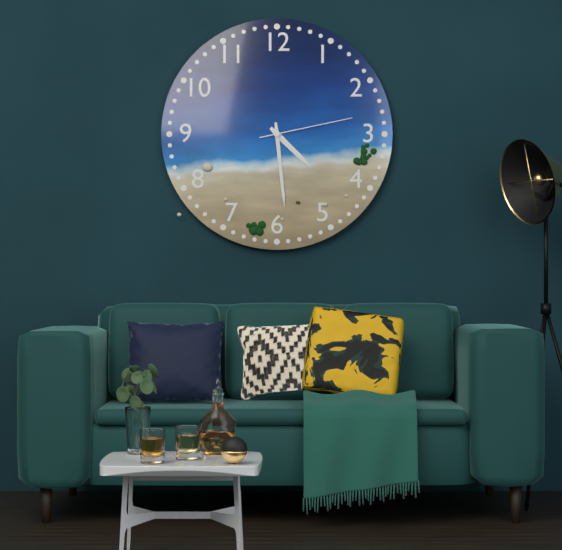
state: 4:29:13
